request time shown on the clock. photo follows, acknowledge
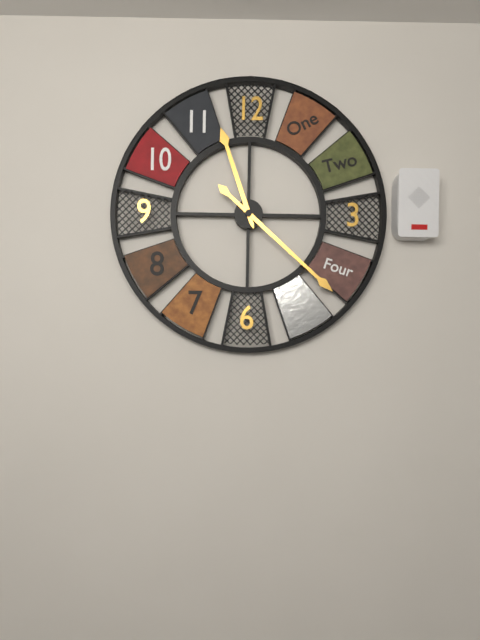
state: 11:22
